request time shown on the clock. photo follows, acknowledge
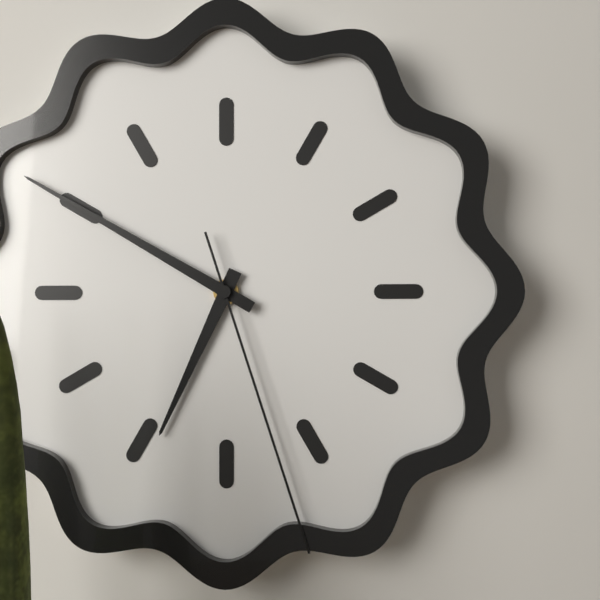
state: 6:50:27
